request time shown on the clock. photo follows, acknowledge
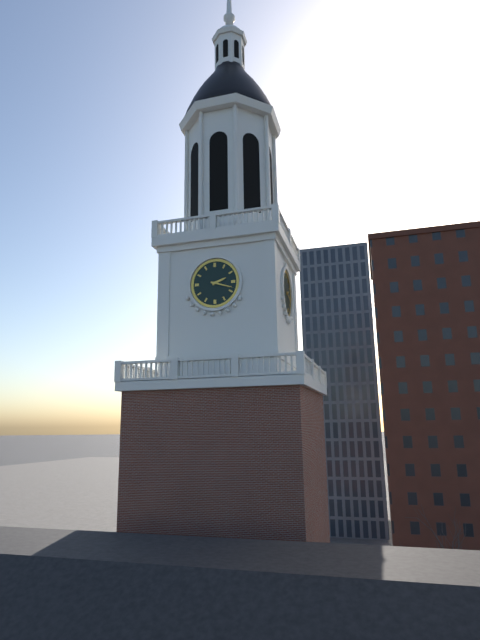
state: 2:18
